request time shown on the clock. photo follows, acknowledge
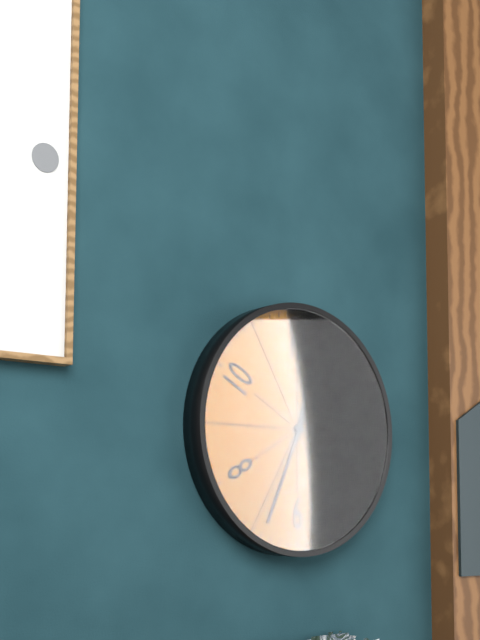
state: 12:34
